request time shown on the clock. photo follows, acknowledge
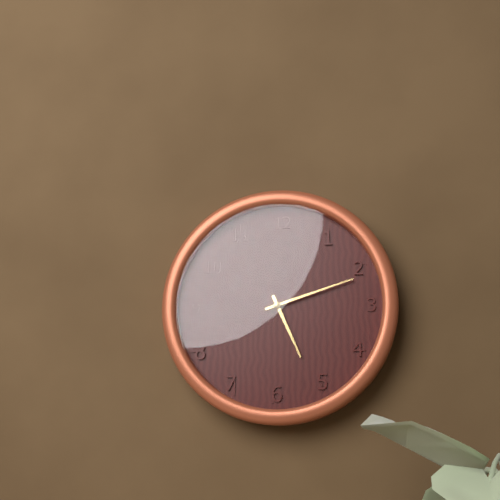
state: 5:12
